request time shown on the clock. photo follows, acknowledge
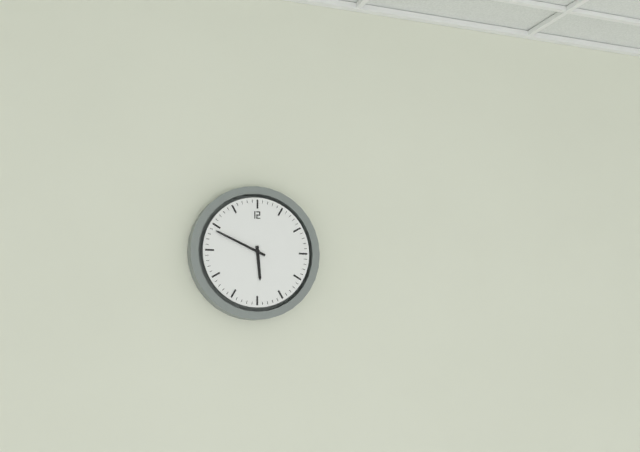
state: 5:49
